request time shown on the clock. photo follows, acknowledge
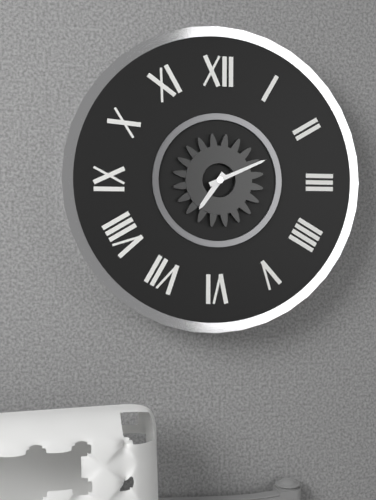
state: 7:11
